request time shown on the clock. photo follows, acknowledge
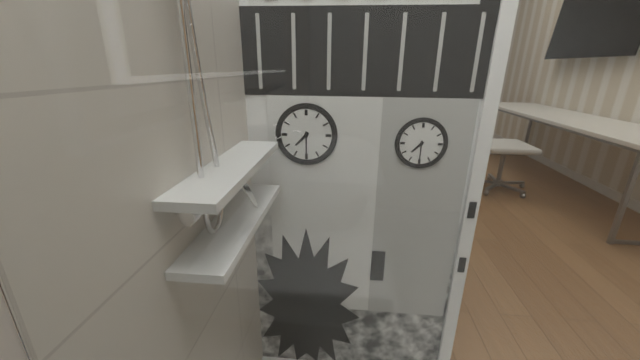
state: 7:30
